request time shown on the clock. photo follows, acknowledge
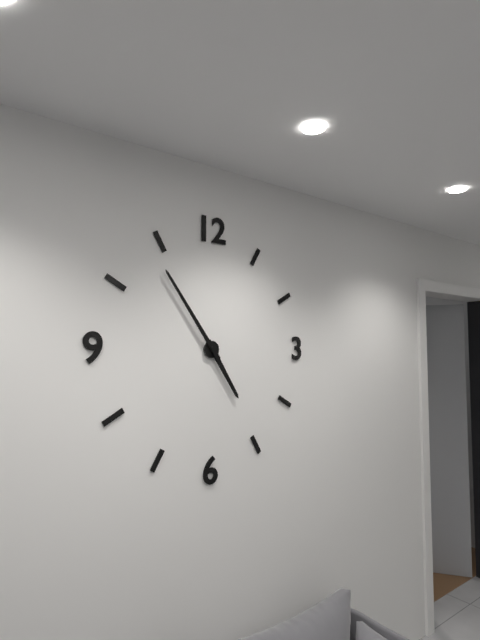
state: 4:54
